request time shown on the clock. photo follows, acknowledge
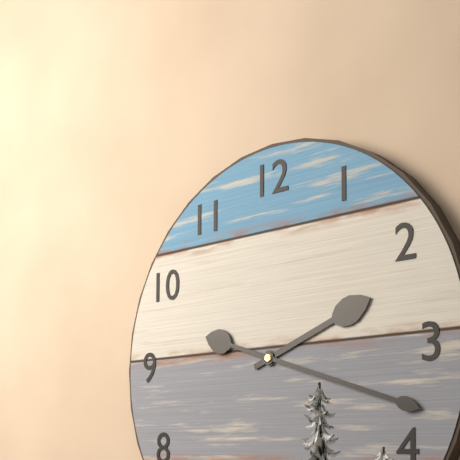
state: 2:18
